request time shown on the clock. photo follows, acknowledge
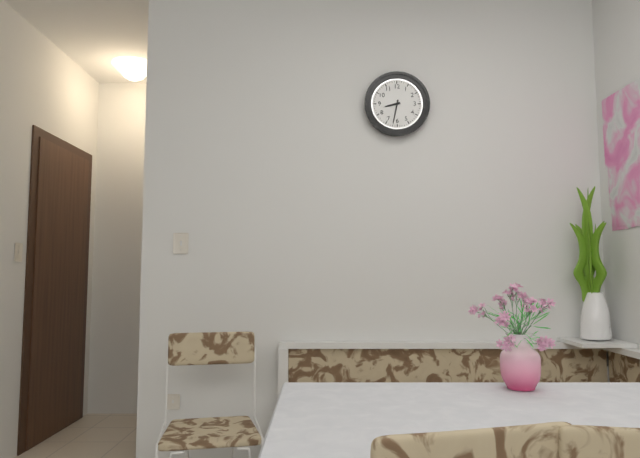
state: 8:32
